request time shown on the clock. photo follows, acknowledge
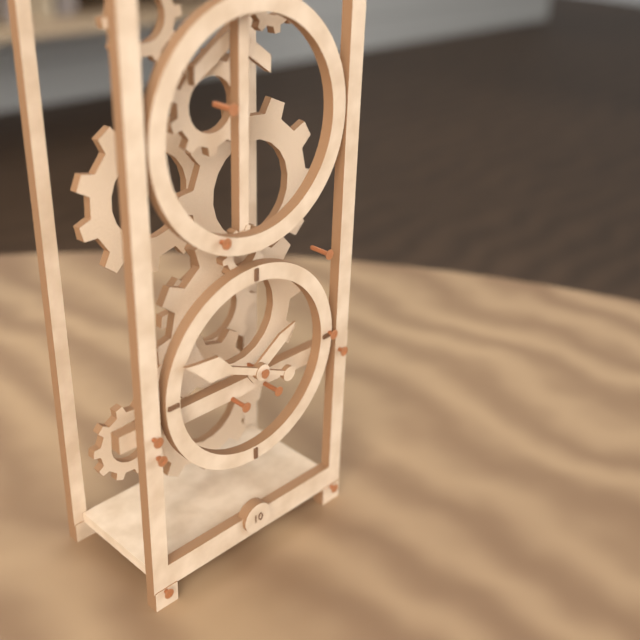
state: 1:49
